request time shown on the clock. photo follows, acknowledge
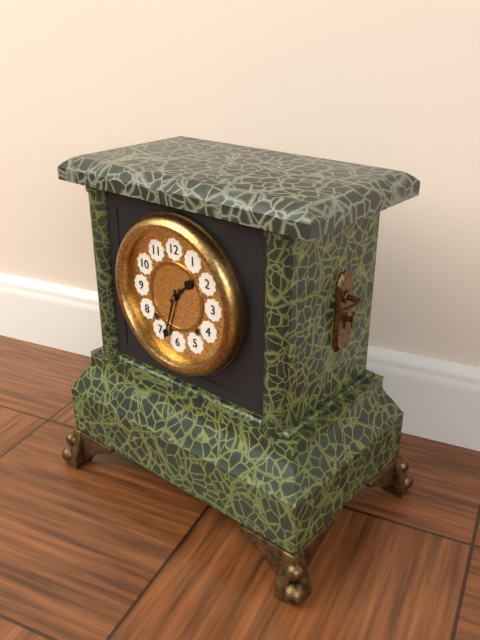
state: 1:33
